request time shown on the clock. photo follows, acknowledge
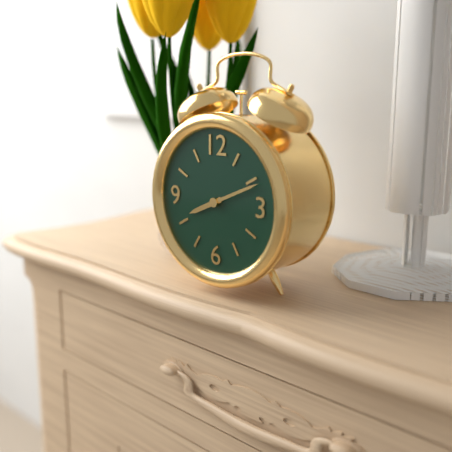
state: 8:11
